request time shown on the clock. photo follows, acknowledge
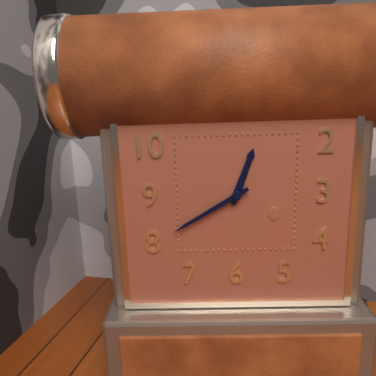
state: 12:40
